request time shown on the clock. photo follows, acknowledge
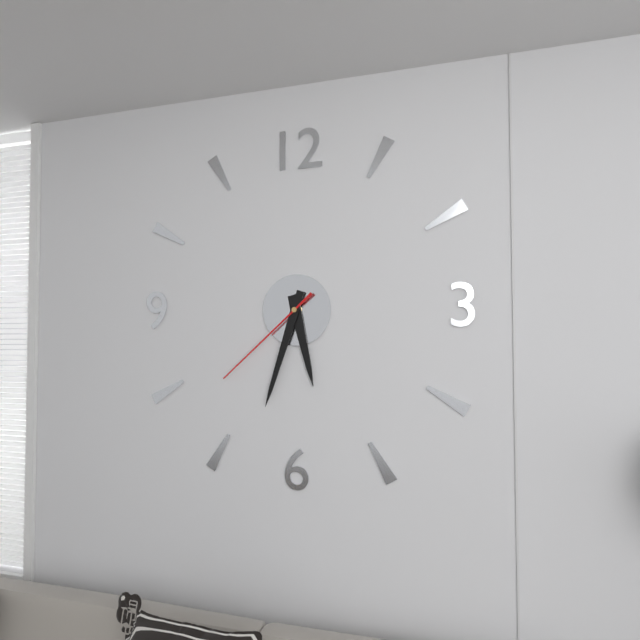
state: 5:33:38
